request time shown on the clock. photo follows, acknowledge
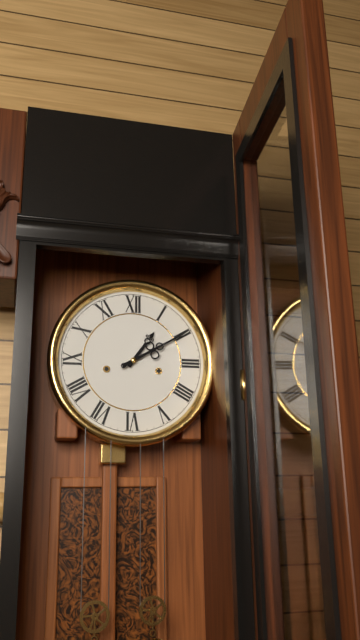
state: 1:10
